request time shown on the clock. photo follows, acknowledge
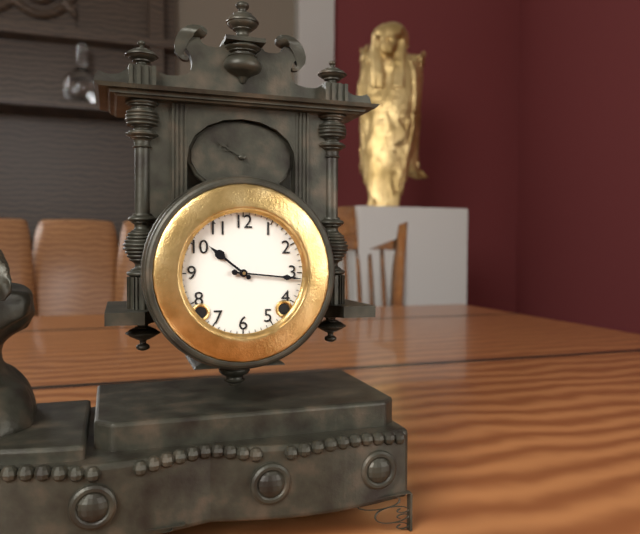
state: 10:16
